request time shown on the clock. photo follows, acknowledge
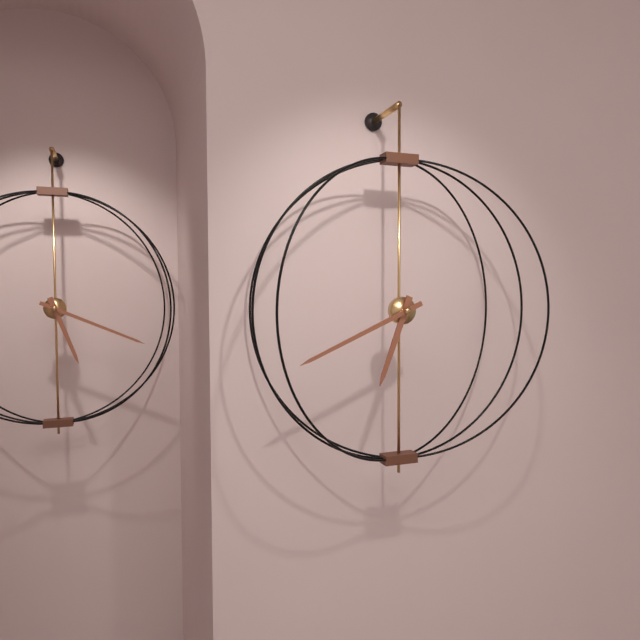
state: 6:41
